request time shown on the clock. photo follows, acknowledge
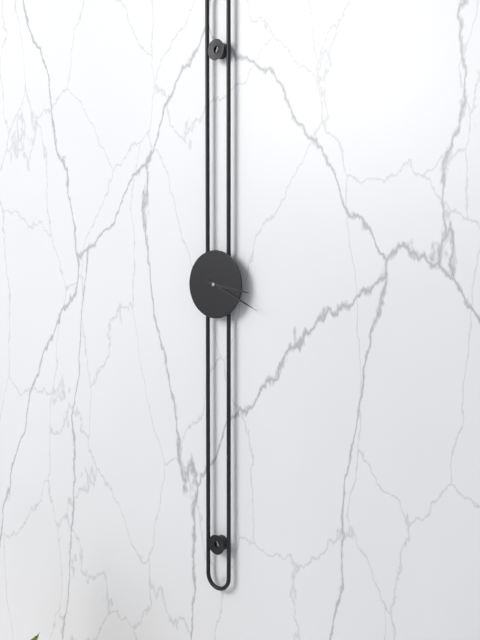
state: 3:19
